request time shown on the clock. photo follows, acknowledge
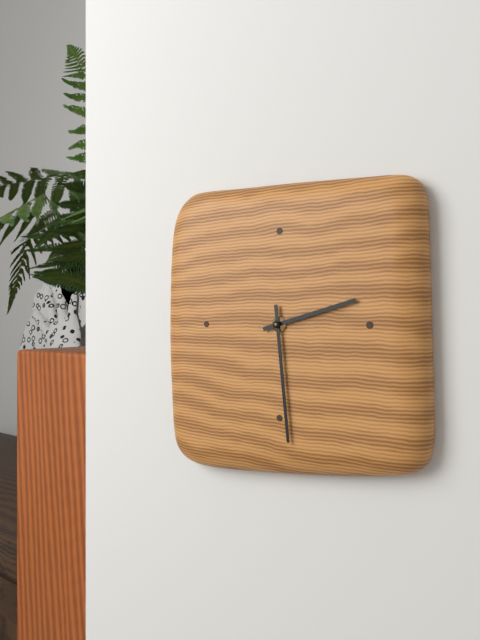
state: 2:29
